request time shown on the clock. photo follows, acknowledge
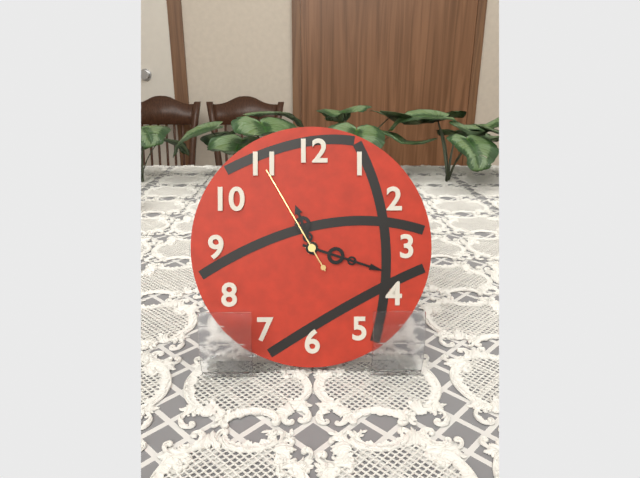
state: 11:18:55
